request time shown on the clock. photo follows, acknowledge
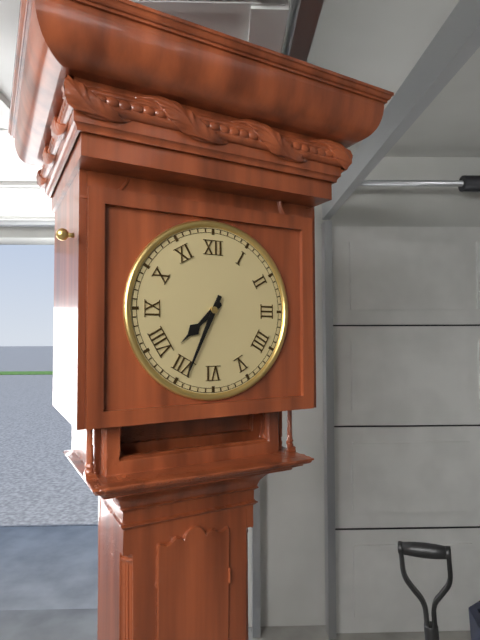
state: 7:34
